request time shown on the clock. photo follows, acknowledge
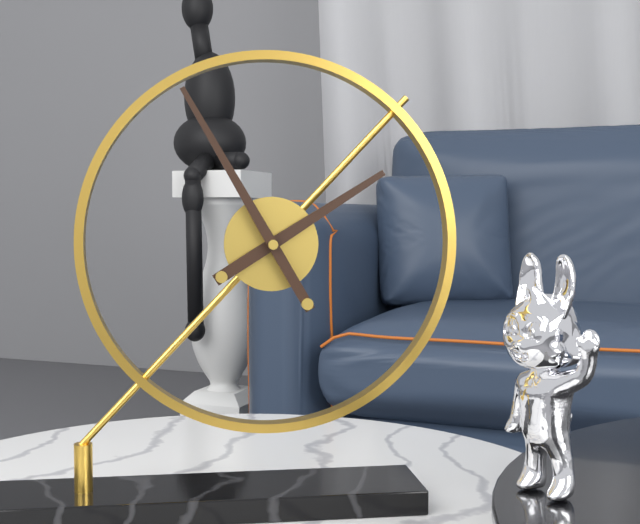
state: 1:55
